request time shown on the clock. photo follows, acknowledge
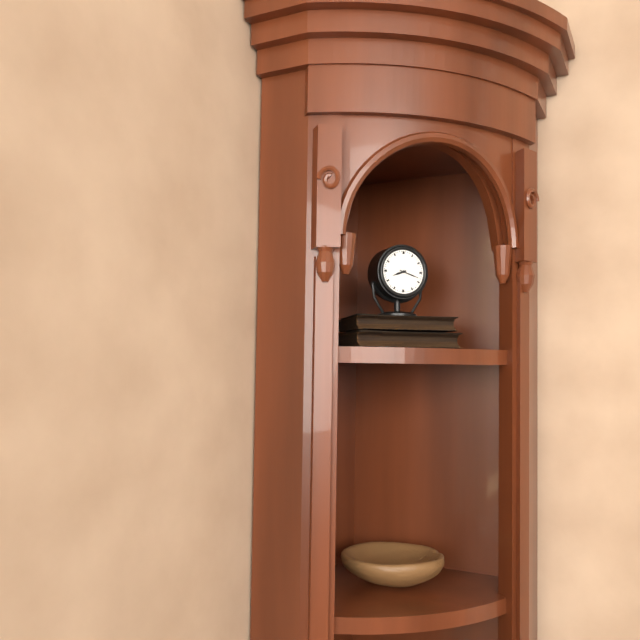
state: 8:18
